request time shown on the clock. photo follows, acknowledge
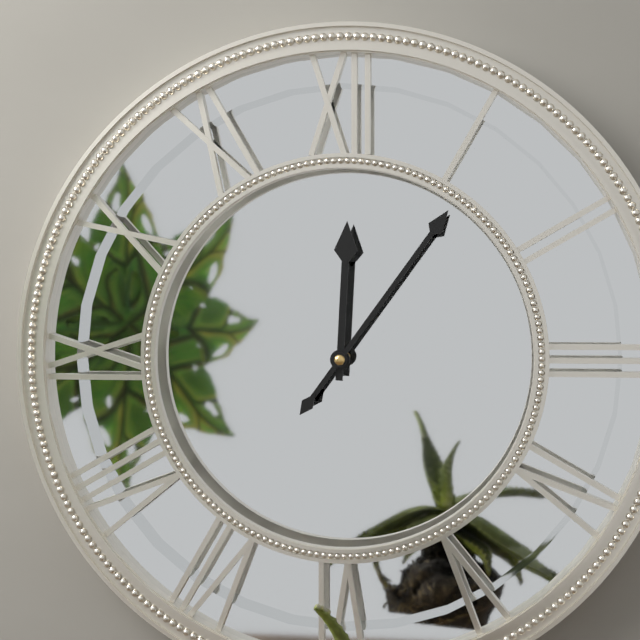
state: 12:06
